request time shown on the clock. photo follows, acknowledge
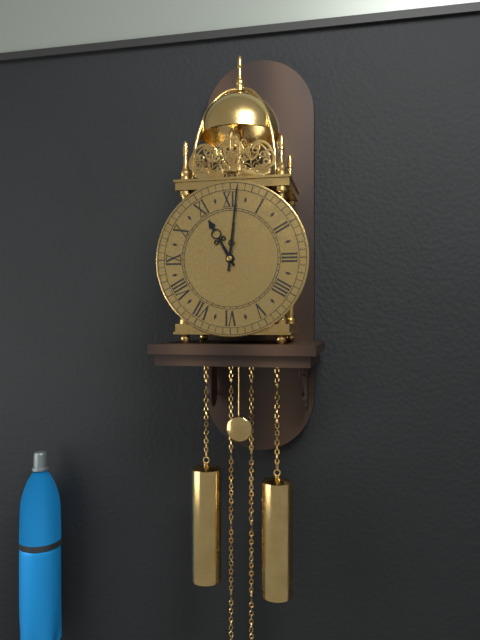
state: 11:01
